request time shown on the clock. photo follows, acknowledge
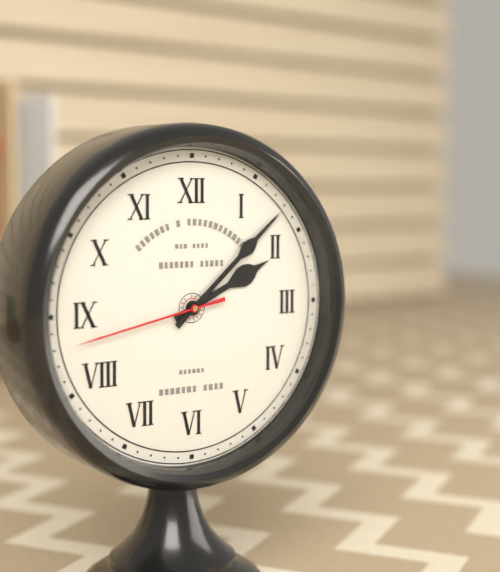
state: 2:08:43
